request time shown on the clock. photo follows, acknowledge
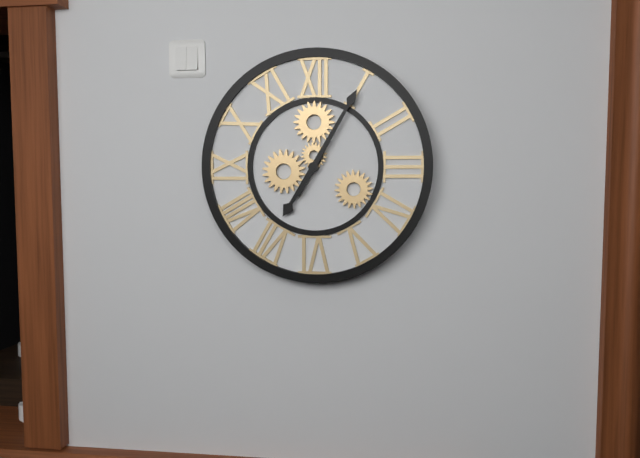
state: 7:05
